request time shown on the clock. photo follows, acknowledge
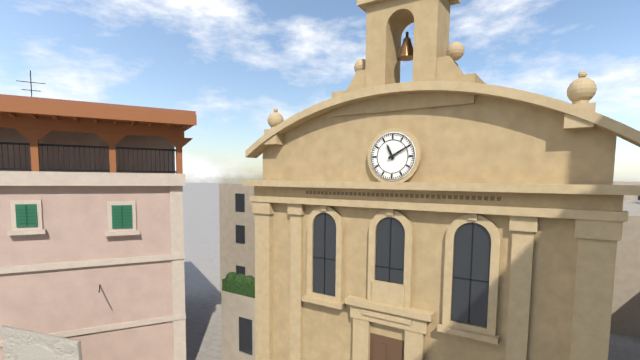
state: 11:10
